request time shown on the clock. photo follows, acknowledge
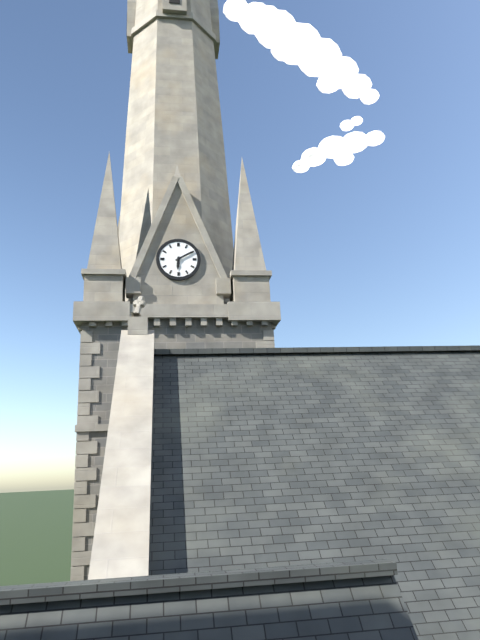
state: 6:10
